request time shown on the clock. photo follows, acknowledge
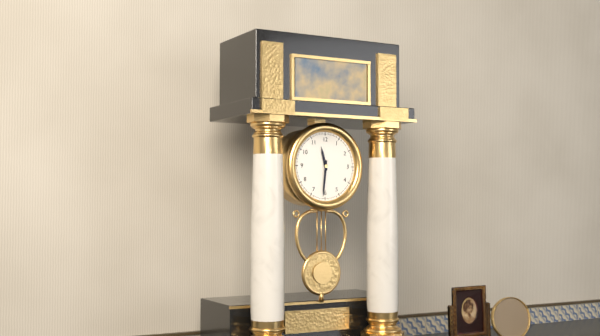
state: 11:31
